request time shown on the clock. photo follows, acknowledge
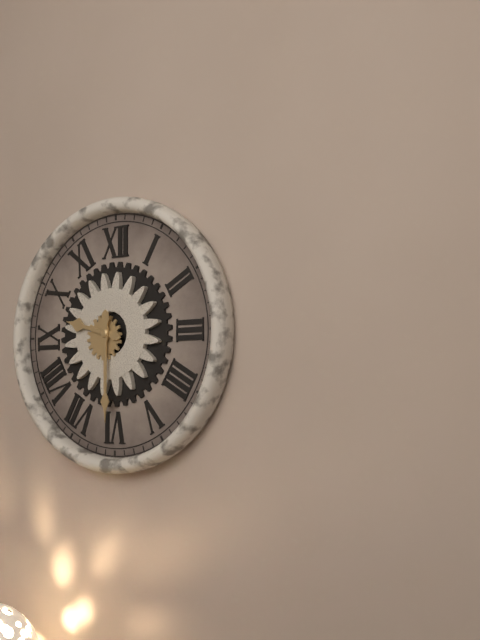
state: 9:30
